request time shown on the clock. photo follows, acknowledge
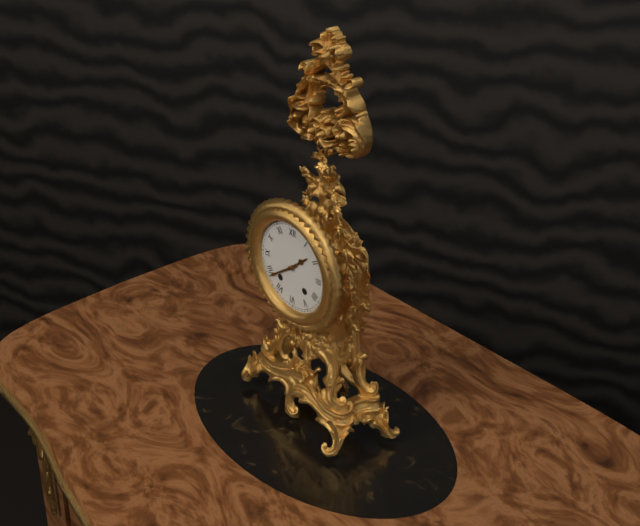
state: 1:39
